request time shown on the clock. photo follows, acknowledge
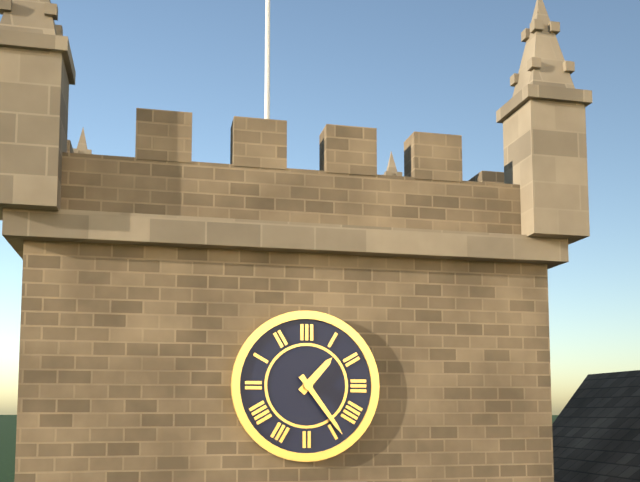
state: 1:24
